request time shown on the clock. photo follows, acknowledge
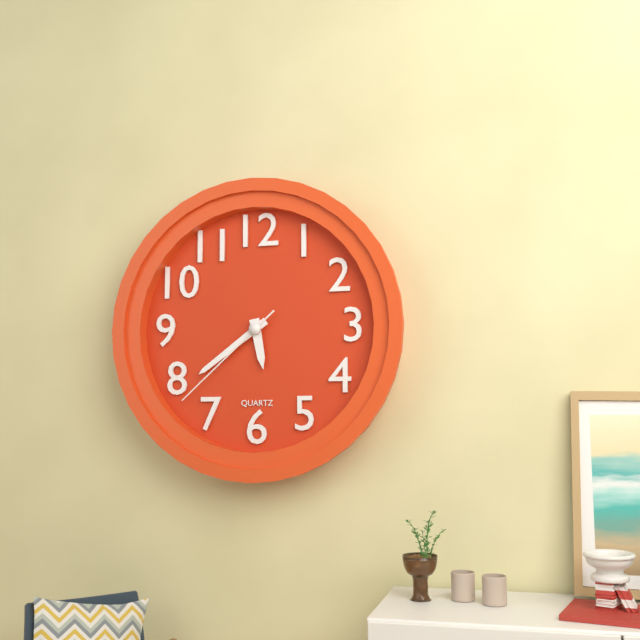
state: 5:39:38
